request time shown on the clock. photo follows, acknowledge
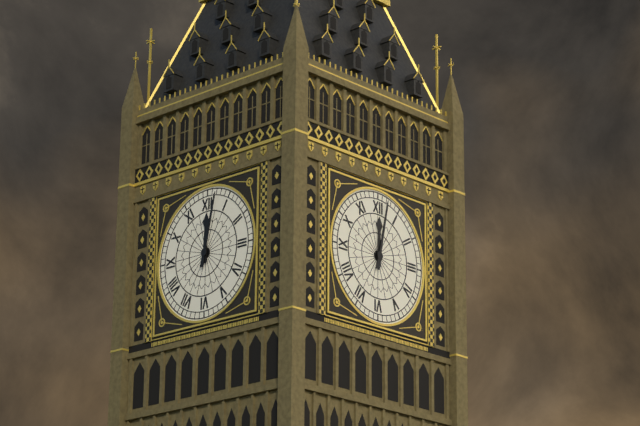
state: 12:02
